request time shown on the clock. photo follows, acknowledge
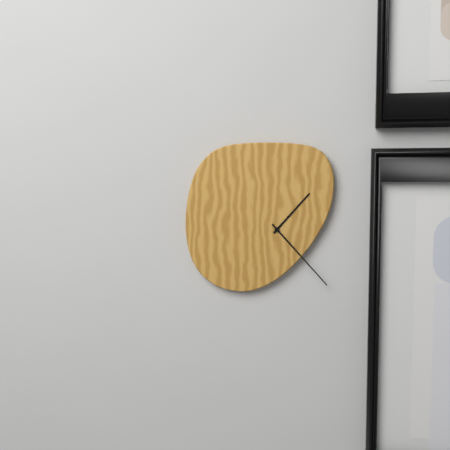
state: 1:23
